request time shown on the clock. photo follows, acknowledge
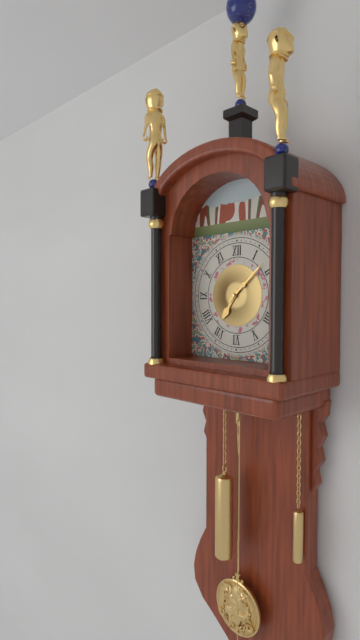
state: 7:08
